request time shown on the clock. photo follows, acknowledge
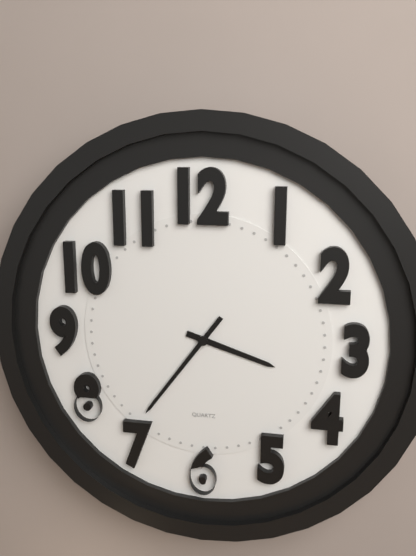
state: 3:36
